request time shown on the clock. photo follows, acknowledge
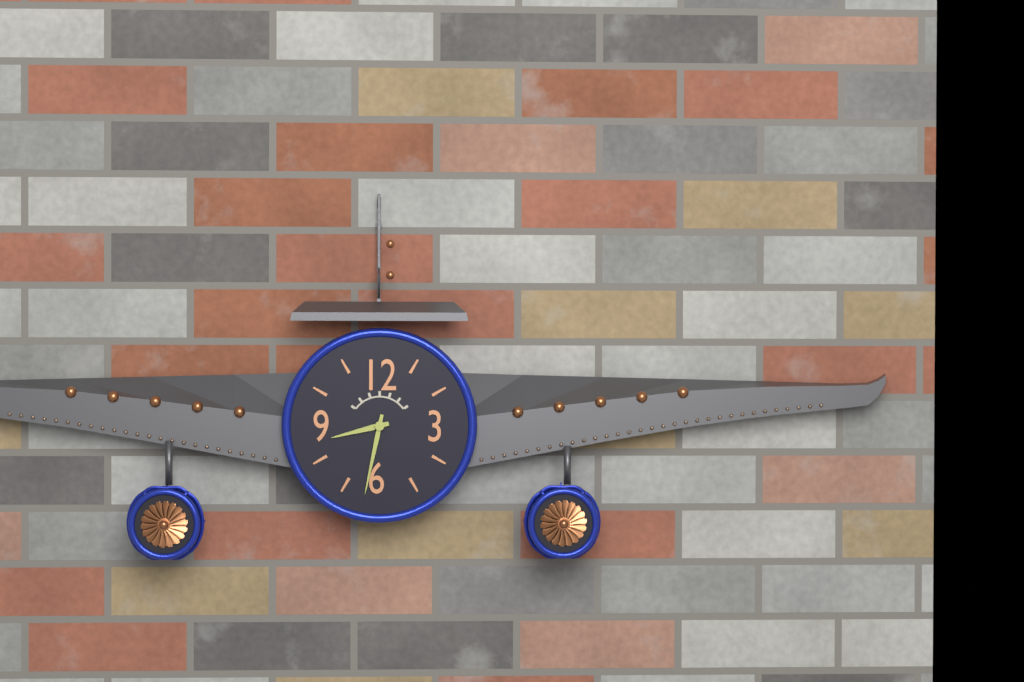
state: 8:32
